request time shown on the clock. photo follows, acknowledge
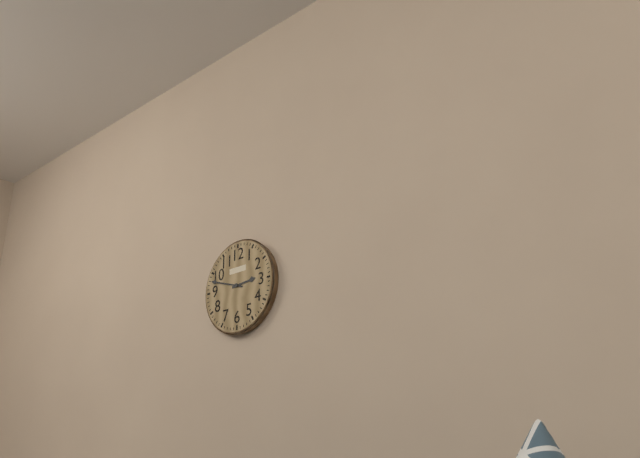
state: 2:48
